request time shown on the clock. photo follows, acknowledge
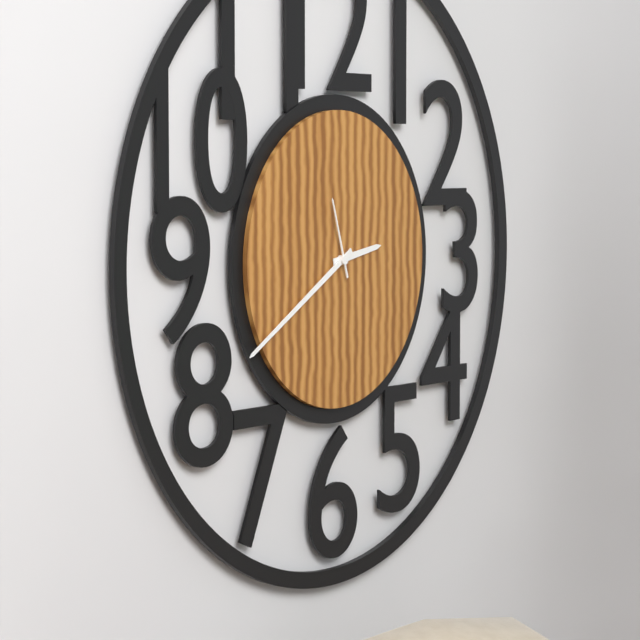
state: 2:40:57
